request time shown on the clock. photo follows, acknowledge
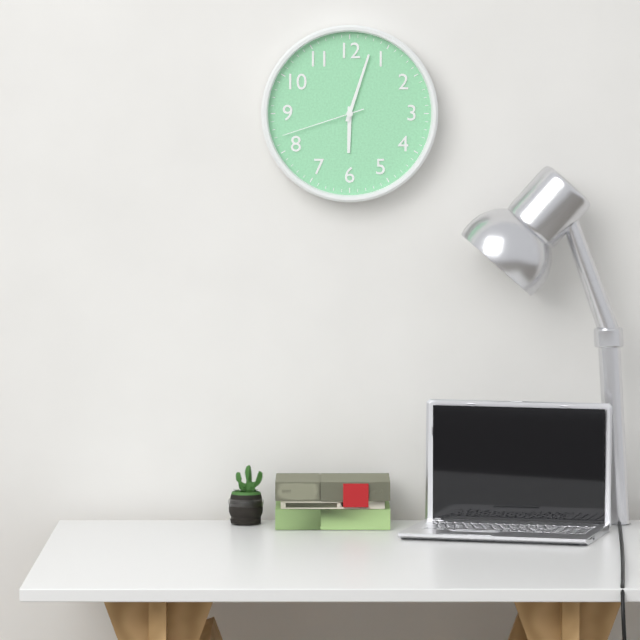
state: 6:03:42
